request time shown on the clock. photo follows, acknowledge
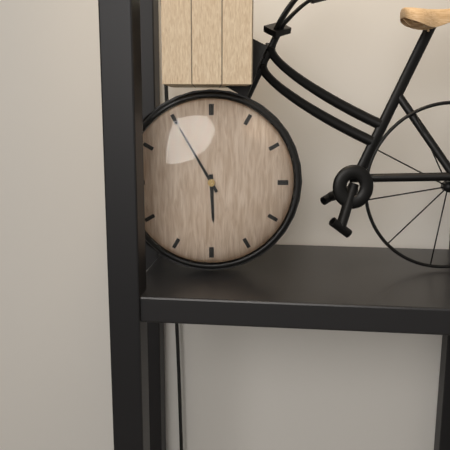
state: 5:55
